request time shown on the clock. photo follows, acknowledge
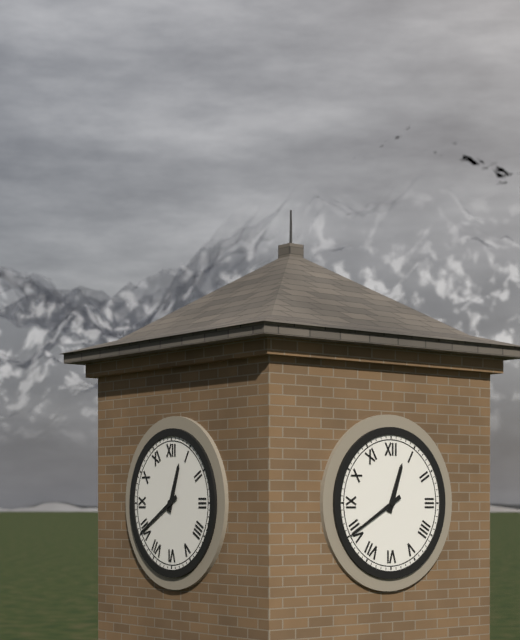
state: 12:40
